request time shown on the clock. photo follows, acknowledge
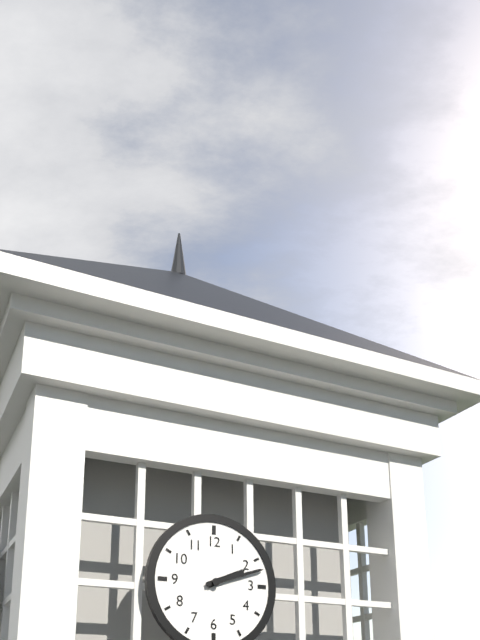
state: 2:12
